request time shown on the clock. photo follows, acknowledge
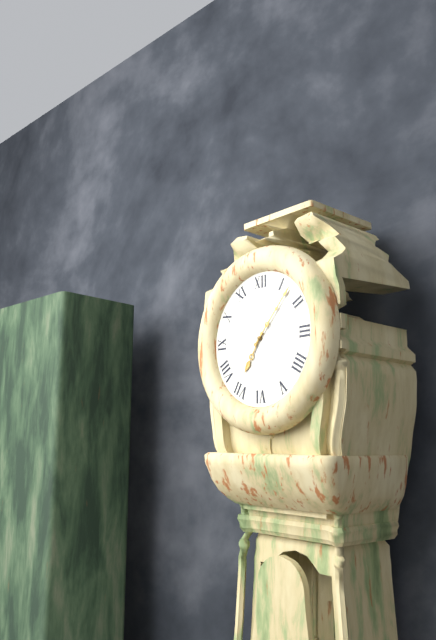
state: 7:07
